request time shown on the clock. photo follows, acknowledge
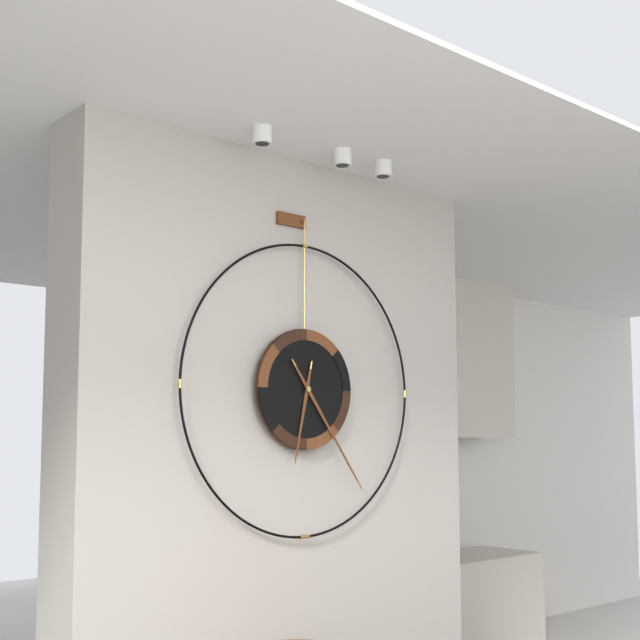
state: 6:24
